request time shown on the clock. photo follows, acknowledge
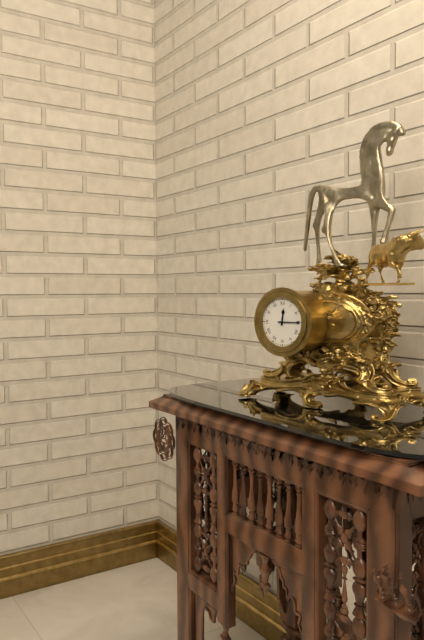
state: 12:15
